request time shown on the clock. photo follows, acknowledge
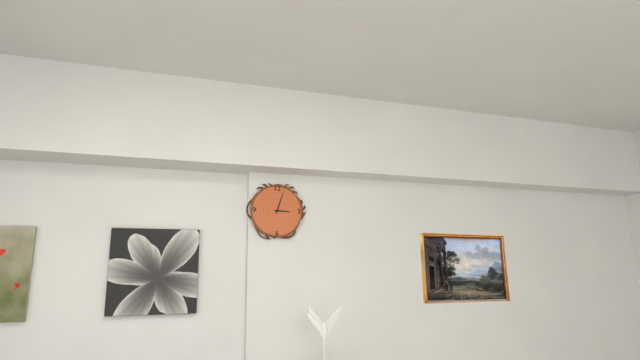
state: 3:03
